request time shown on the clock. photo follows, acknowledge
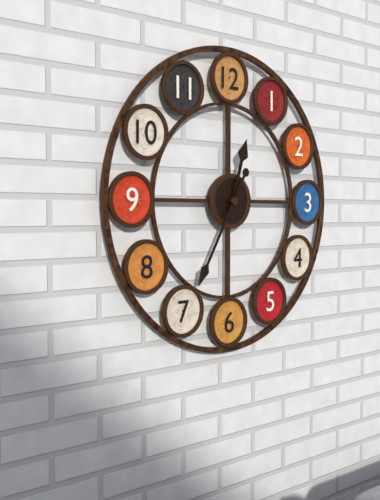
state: 12:35
